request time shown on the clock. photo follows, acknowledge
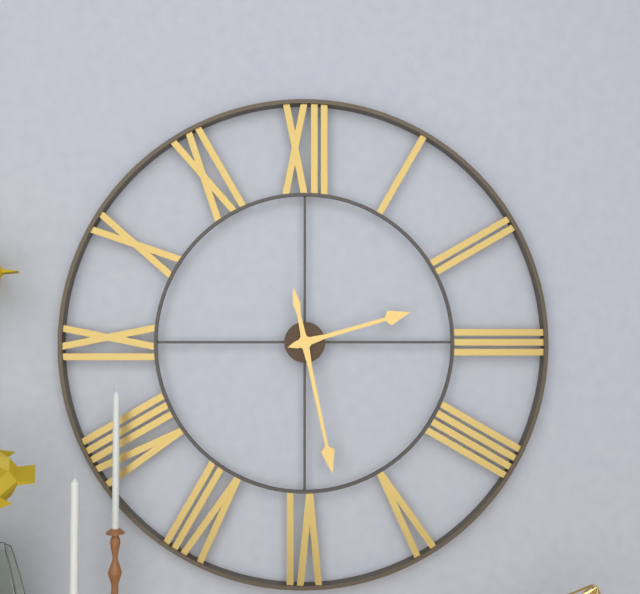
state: 2:28
